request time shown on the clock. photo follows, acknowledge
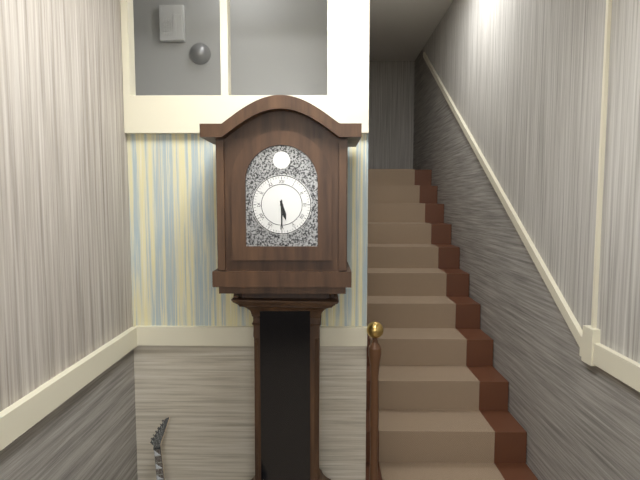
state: 5:30
